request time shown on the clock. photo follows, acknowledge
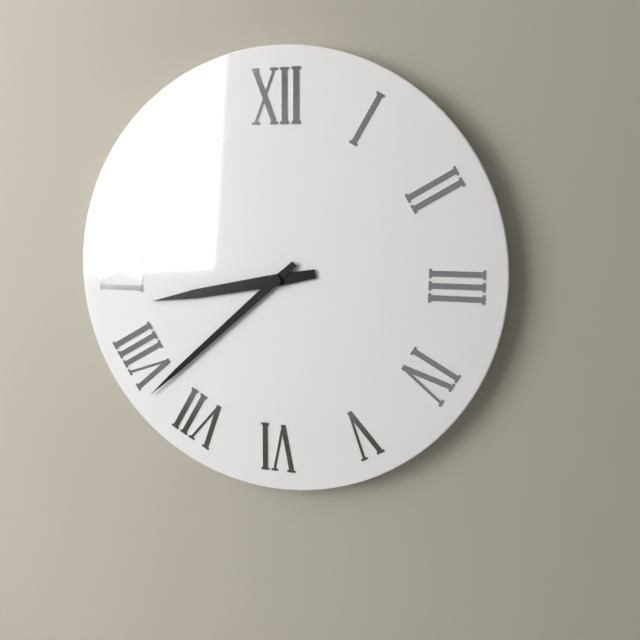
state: 8:38
